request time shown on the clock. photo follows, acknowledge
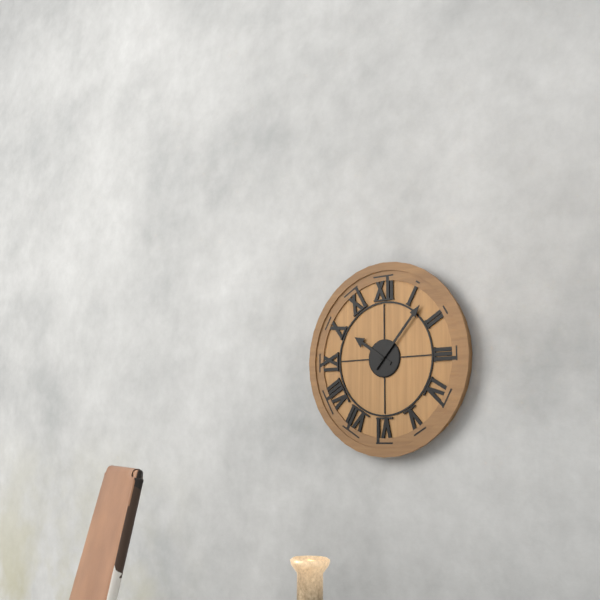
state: 10:07
